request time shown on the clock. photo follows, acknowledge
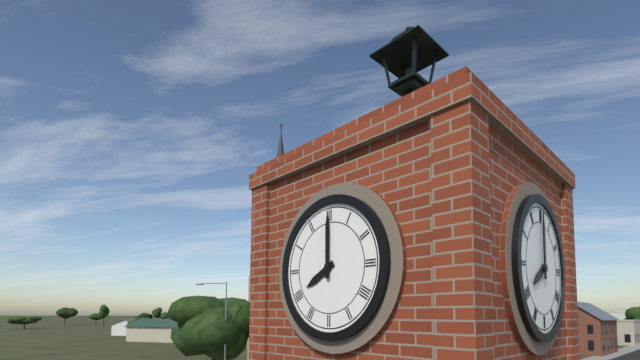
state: 8:00
